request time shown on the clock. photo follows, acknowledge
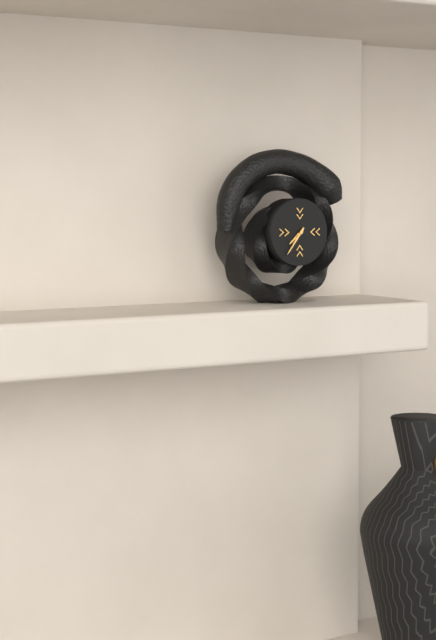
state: 7:36
